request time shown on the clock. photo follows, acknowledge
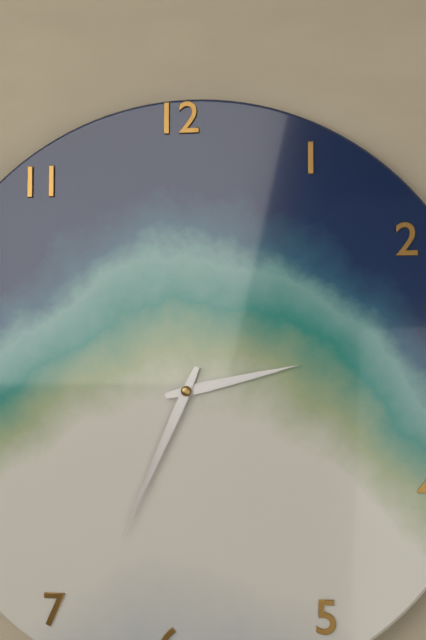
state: 2:34
